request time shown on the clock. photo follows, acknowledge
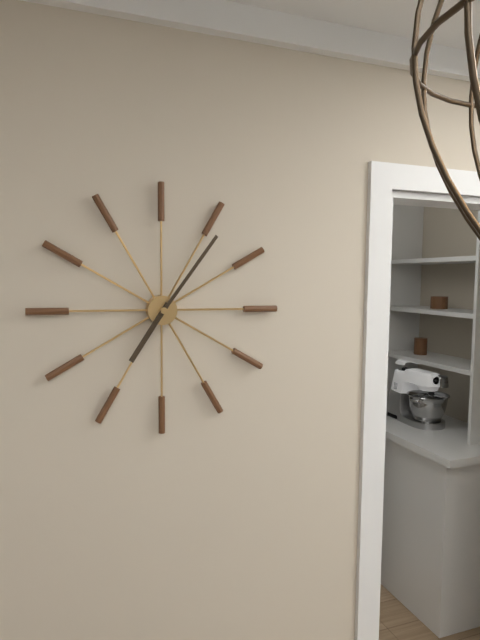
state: 7:06
